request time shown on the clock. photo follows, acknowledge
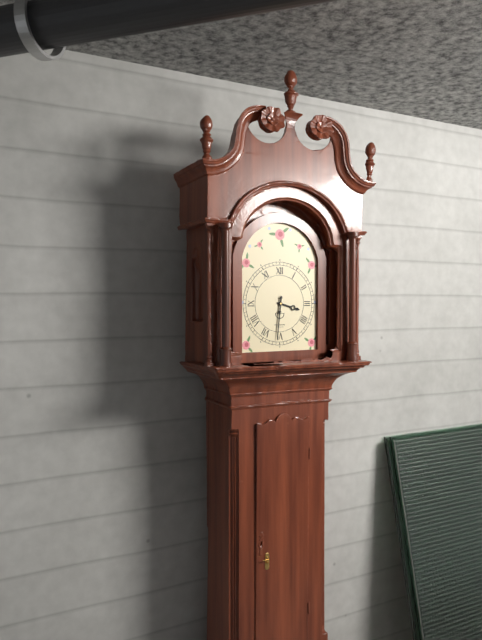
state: 3:31
